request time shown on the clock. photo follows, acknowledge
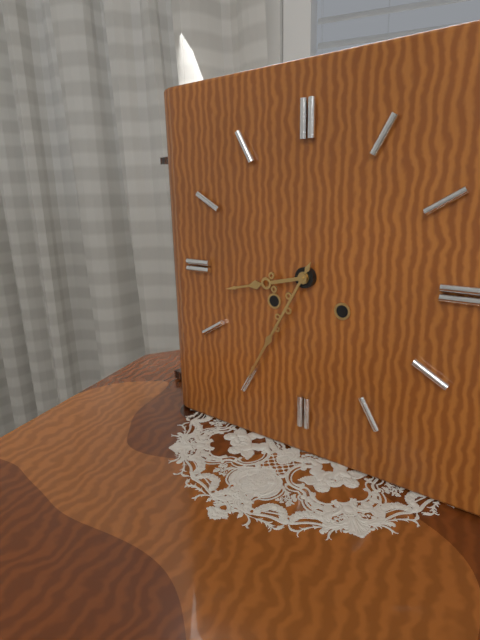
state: 8:35
